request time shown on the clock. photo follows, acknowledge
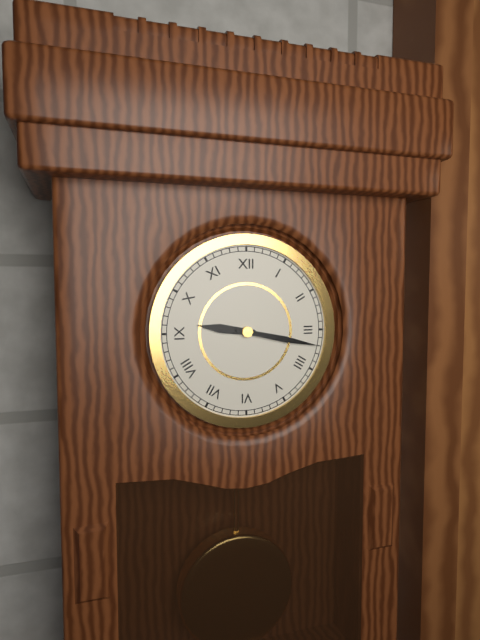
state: 9:17
